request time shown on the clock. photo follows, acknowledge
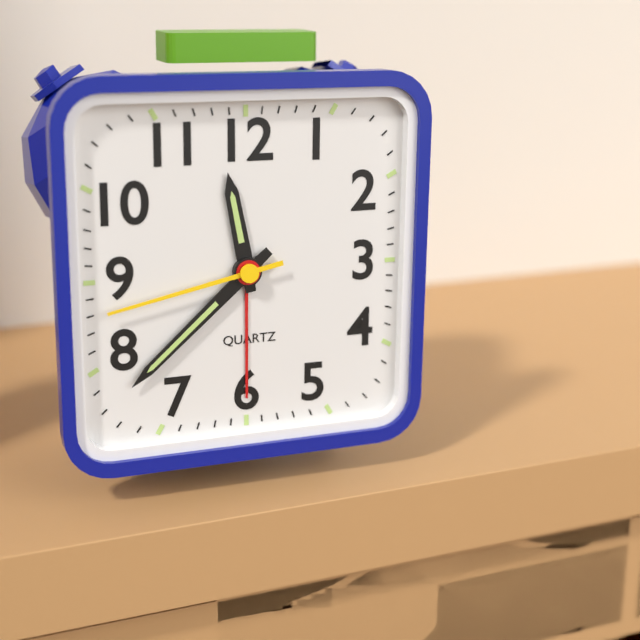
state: 11:38:43
